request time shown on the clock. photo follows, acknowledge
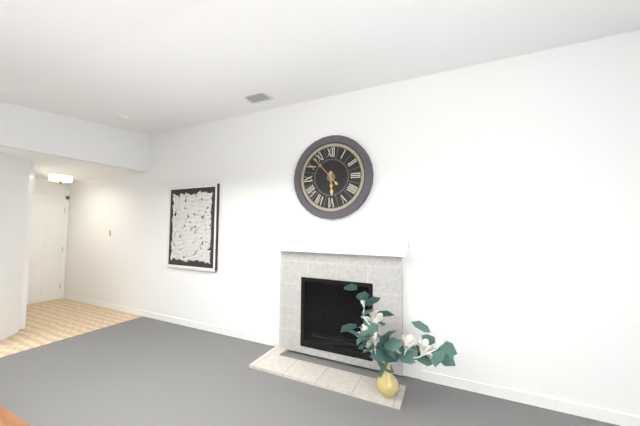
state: 5:53
